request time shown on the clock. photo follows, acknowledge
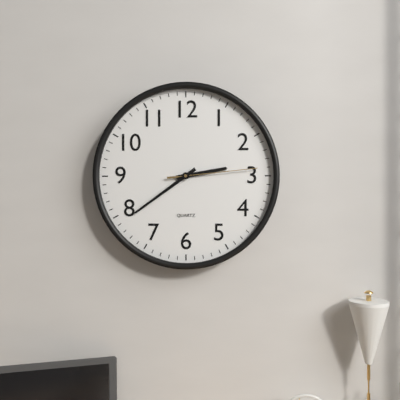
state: 2:39:14
